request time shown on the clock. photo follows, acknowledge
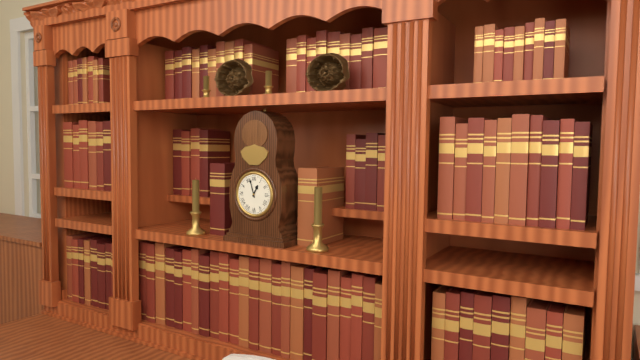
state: 12:57
